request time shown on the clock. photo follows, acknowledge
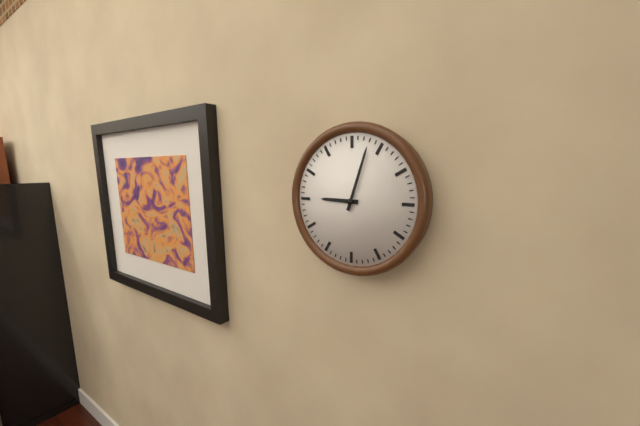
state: 9:03
